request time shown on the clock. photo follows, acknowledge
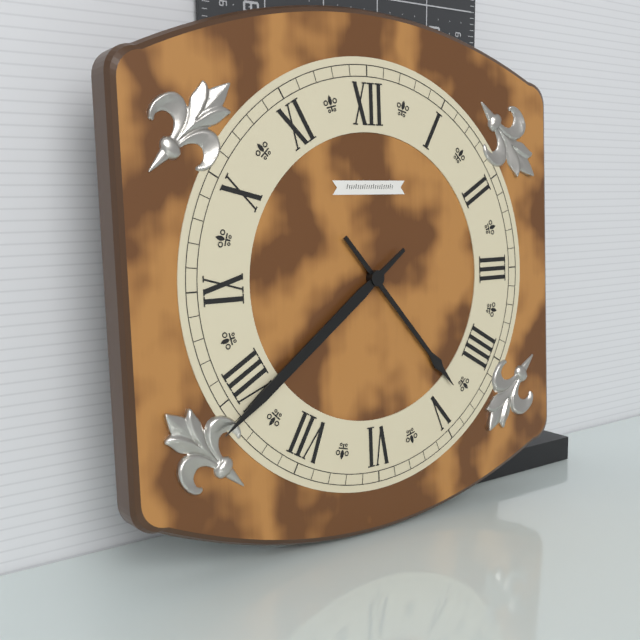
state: 4:39
